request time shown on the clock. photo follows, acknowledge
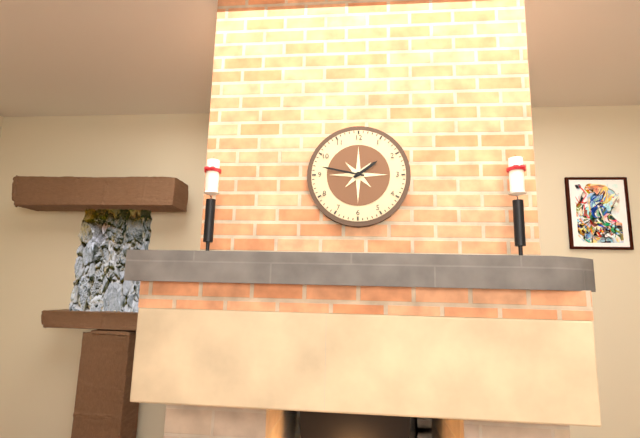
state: 1:47
